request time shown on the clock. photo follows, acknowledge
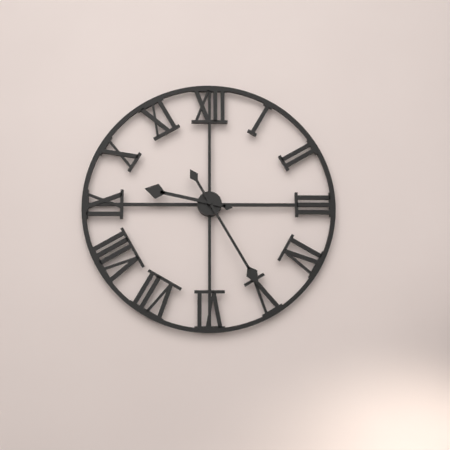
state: 9:25
